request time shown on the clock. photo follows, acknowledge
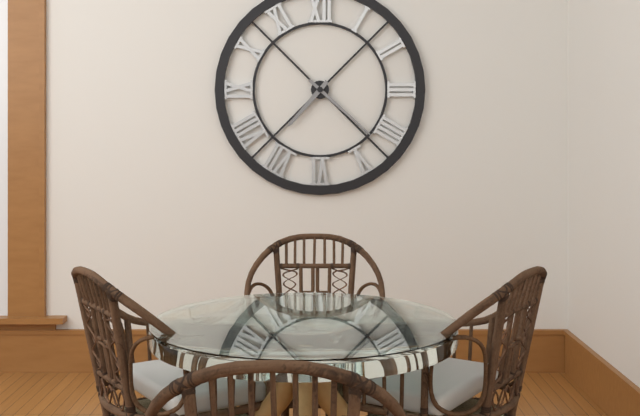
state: 7:22
